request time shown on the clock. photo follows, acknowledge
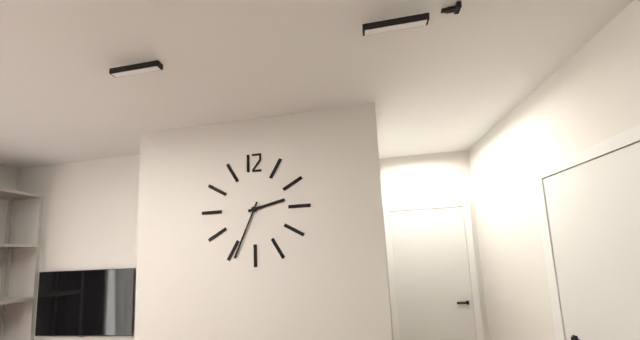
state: 2:34
